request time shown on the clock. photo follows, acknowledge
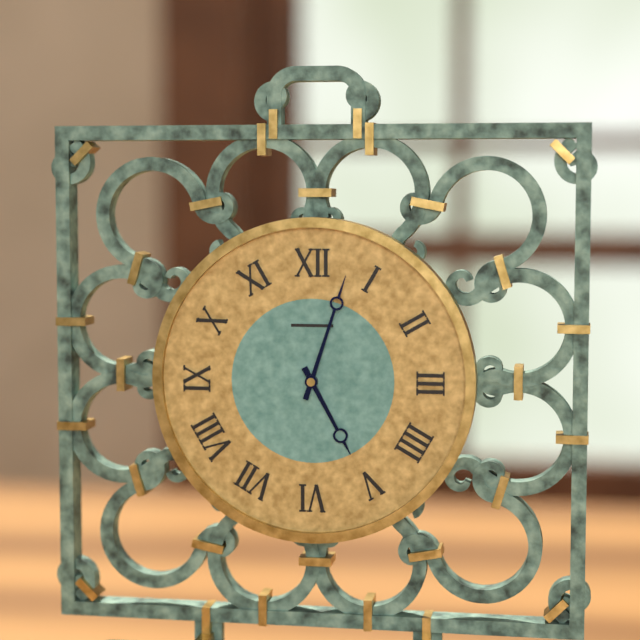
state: 5:03
